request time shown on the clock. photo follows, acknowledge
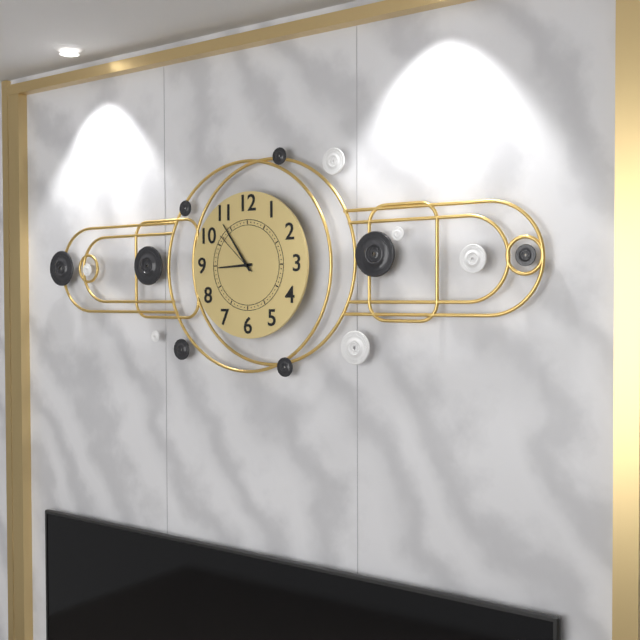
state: 8:54
